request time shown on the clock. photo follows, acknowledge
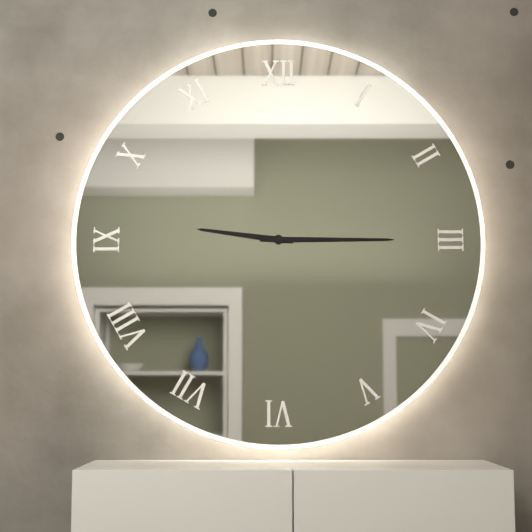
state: 9:15
